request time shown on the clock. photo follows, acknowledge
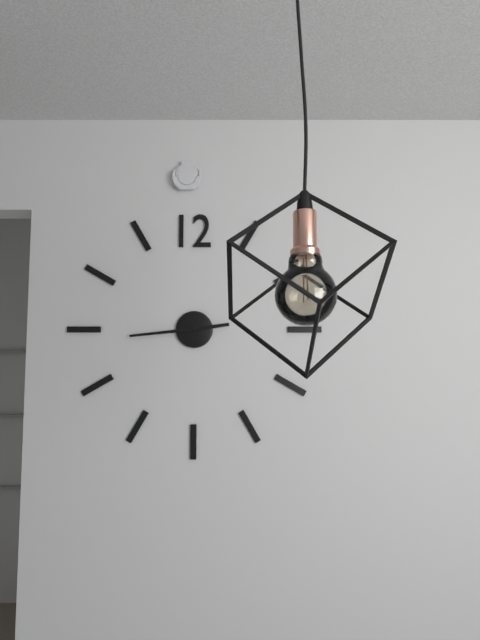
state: 2:44
